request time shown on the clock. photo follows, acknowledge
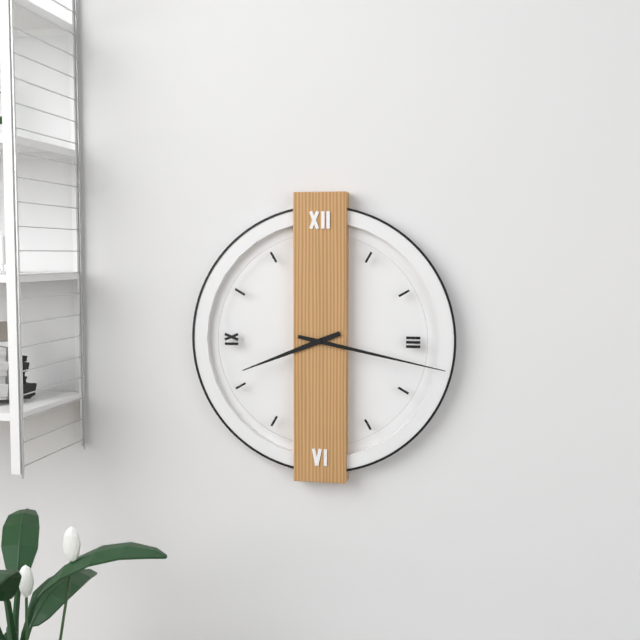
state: 8:17
